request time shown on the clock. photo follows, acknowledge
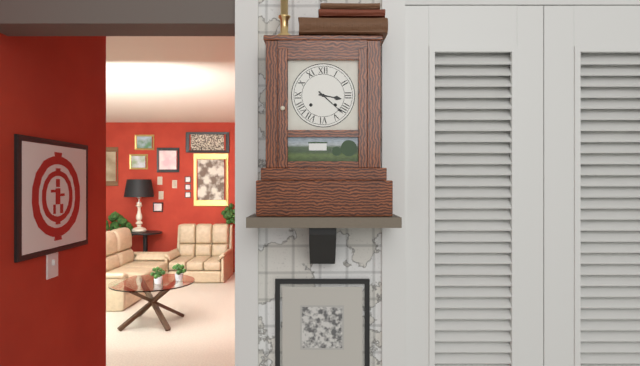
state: 3:22
